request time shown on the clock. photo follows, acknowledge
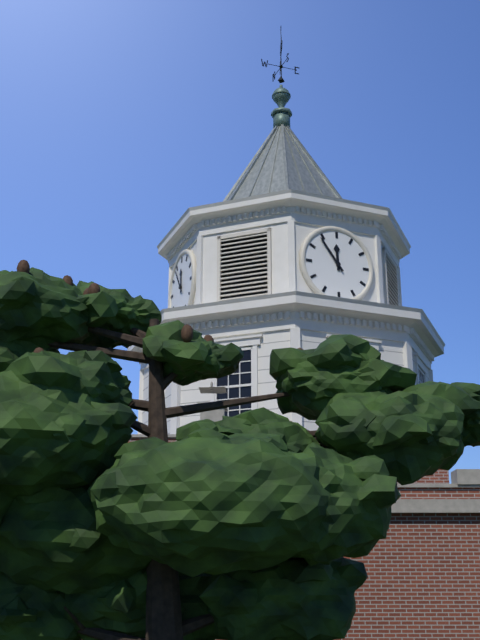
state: 11:54
